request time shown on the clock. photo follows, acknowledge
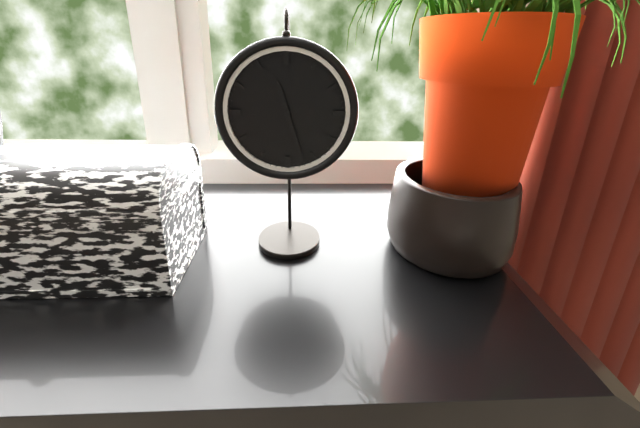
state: 11:27
